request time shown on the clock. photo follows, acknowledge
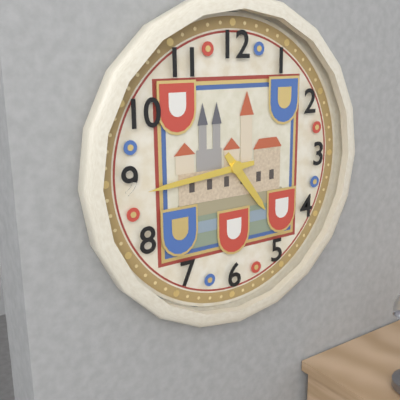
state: 4:44
